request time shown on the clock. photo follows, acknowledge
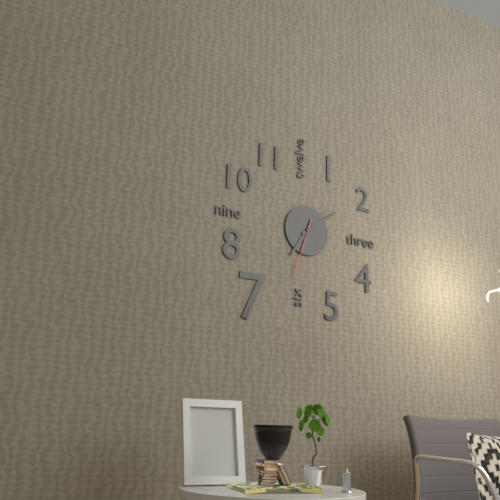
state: 7:09:33
